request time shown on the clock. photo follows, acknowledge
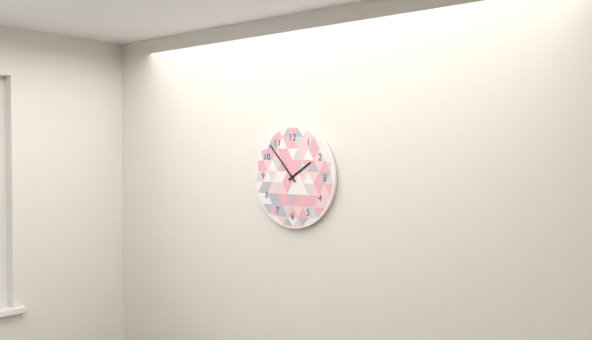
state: 1:53
